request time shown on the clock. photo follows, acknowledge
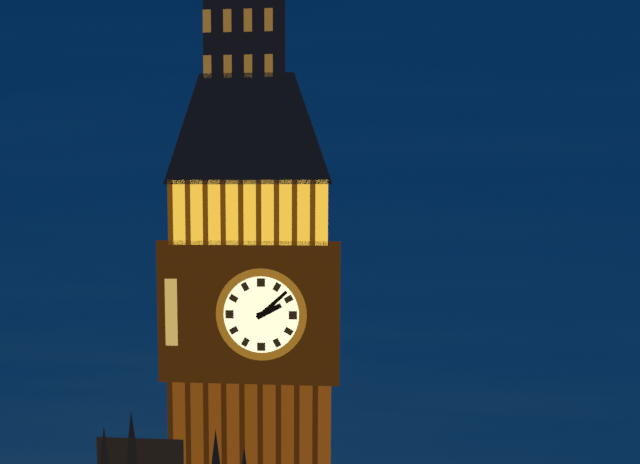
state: 2:08
